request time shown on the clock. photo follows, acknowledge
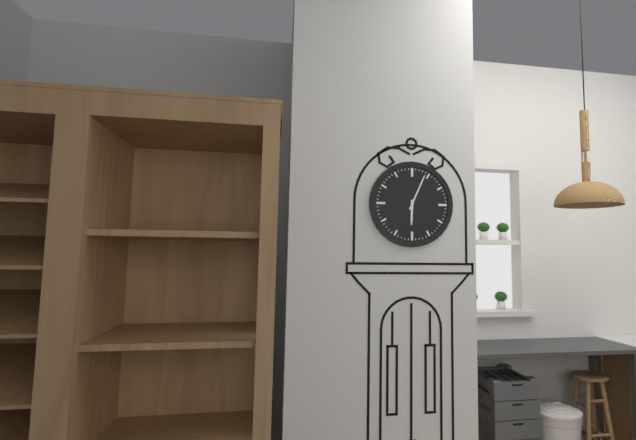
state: 6:04
